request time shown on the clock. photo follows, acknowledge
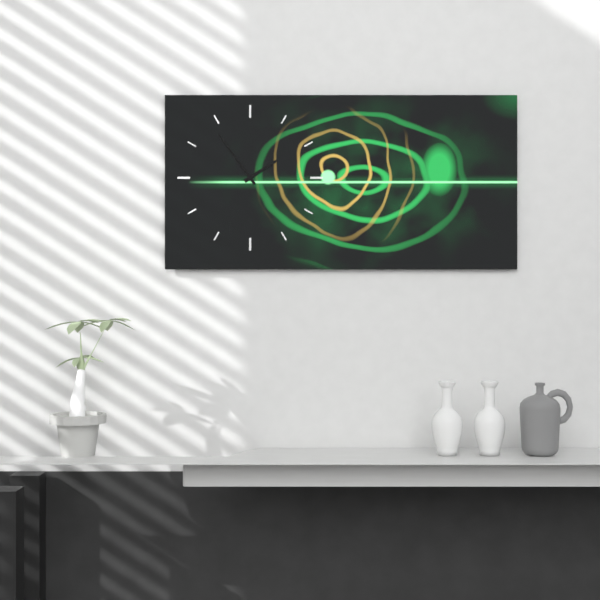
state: 1:54
